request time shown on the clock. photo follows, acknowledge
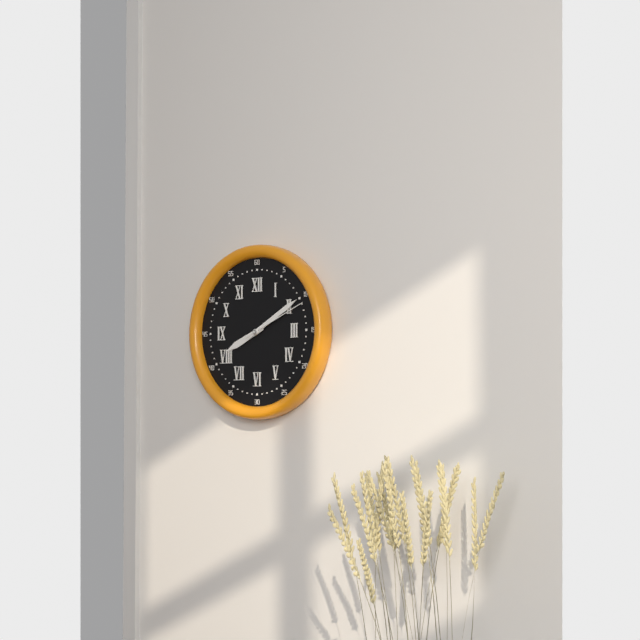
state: 8:10:11
